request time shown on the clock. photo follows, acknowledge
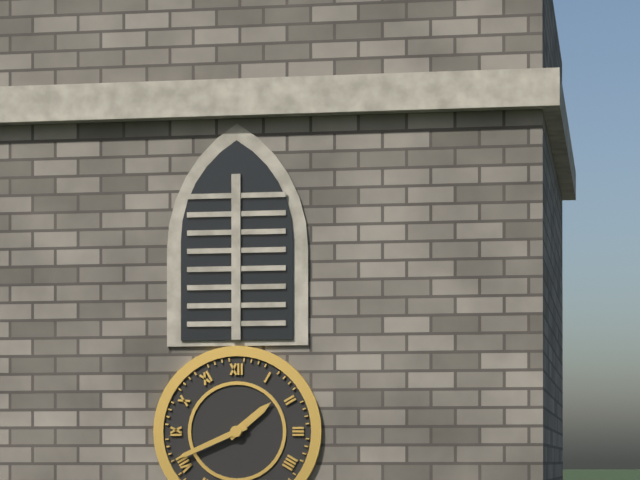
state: 1:41
